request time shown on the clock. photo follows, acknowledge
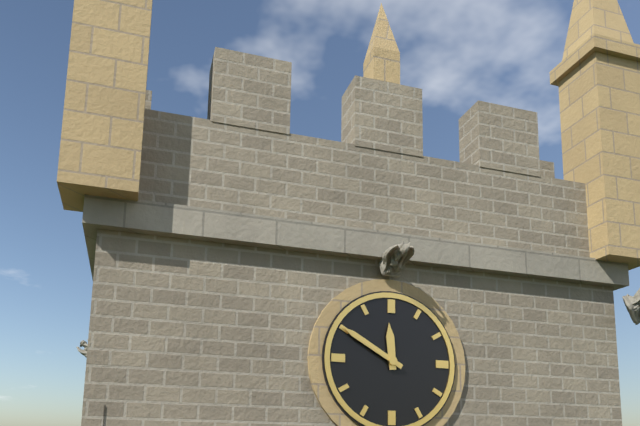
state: 11:50
